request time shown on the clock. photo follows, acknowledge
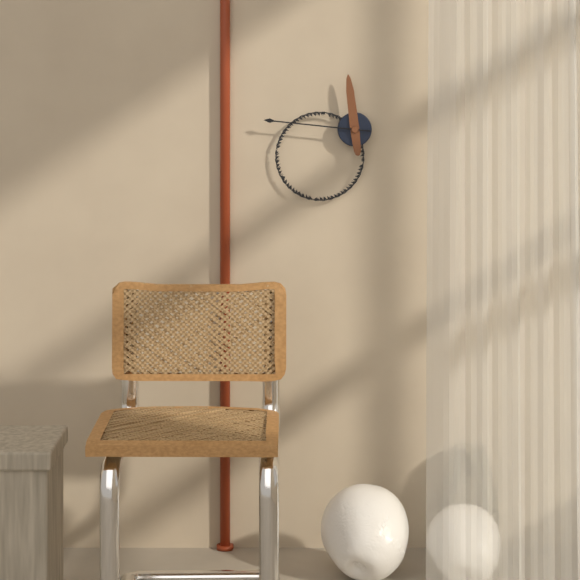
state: 11:46
